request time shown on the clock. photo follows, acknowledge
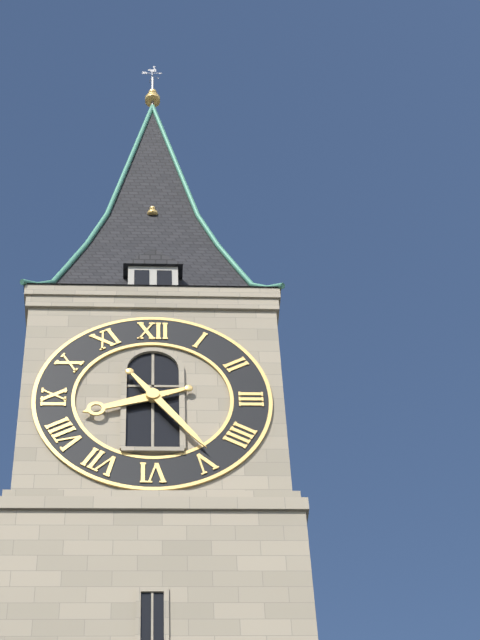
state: 8:24
